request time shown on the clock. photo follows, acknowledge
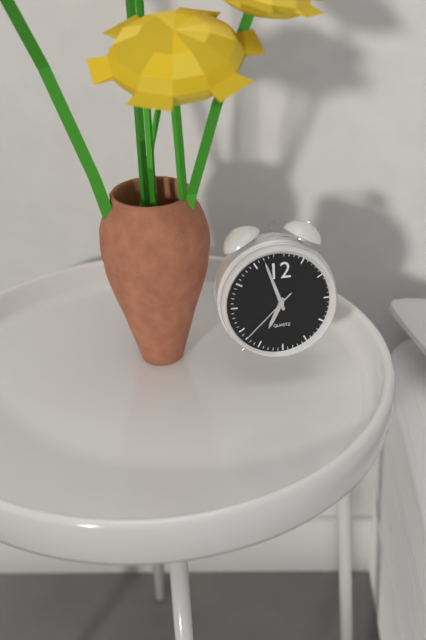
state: 6:57:38
